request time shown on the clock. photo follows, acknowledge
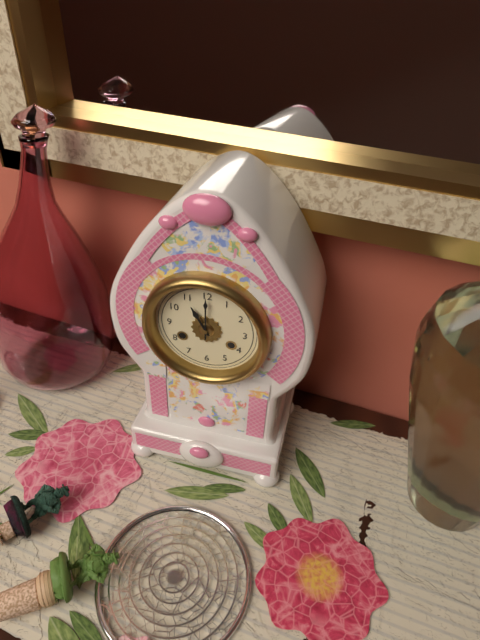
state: 11:00
